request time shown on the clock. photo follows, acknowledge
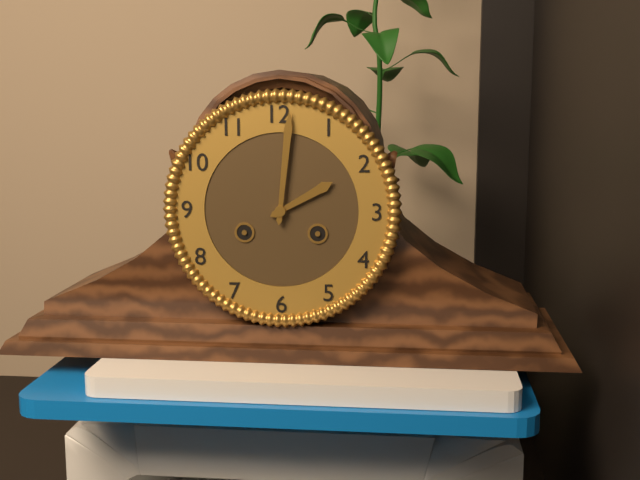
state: 2:01
